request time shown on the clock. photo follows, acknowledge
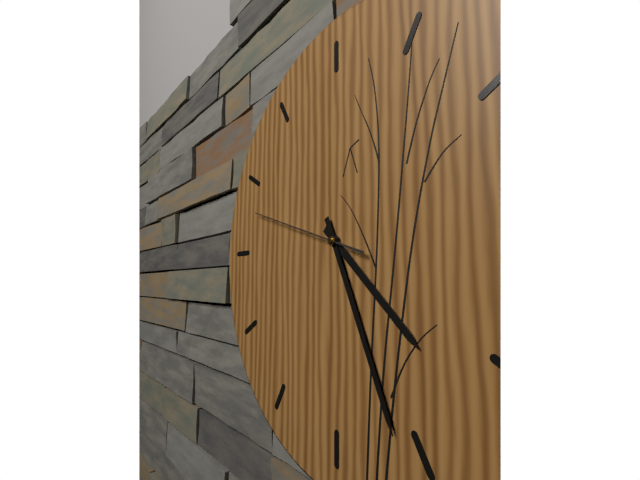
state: 4:26:48
